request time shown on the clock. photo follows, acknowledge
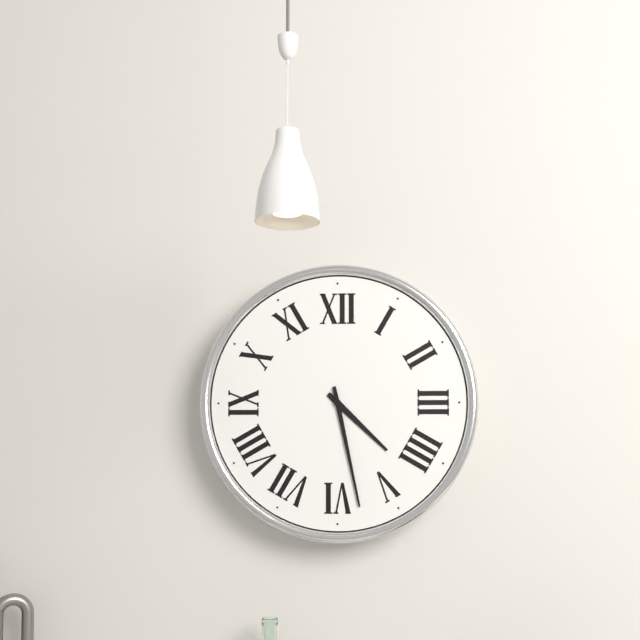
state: 4:28
